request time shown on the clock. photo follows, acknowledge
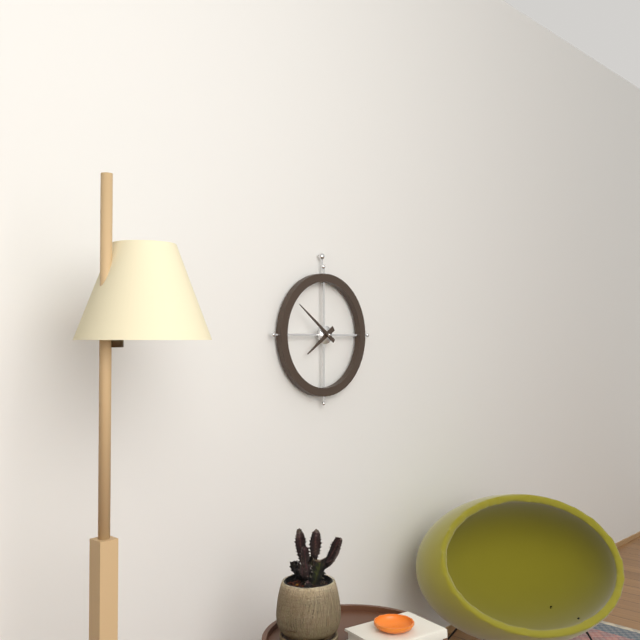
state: 7:51
